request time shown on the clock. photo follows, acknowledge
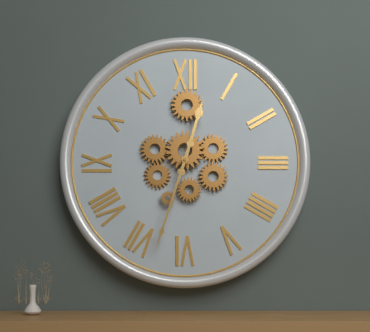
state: 12:33
